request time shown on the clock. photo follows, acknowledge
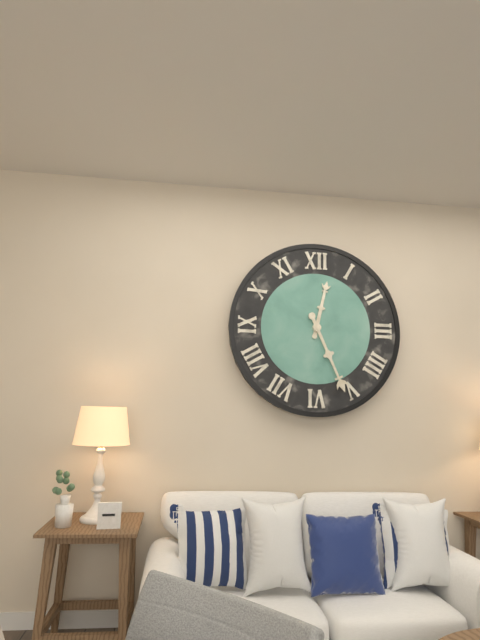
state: 12:26
